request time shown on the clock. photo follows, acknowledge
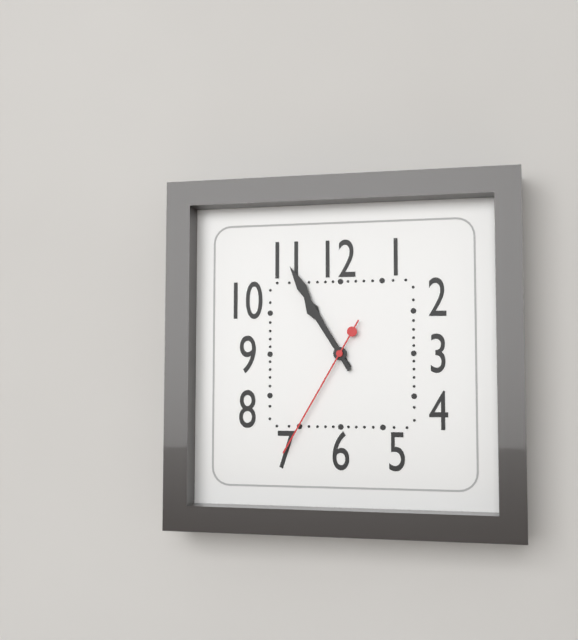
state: 10:55:35
